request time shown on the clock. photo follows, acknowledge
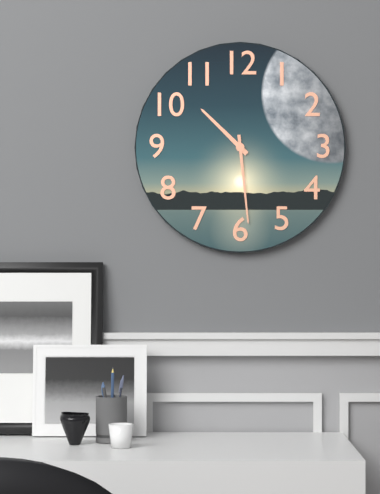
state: 10:29
